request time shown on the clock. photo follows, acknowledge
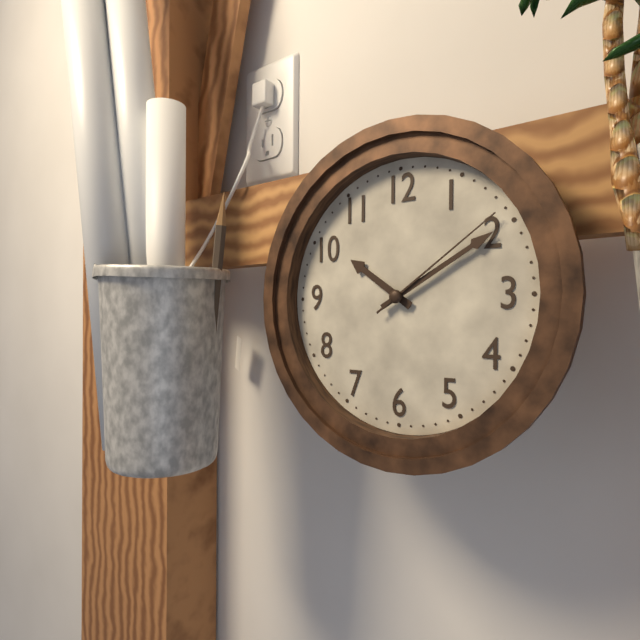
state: 10:10:09
